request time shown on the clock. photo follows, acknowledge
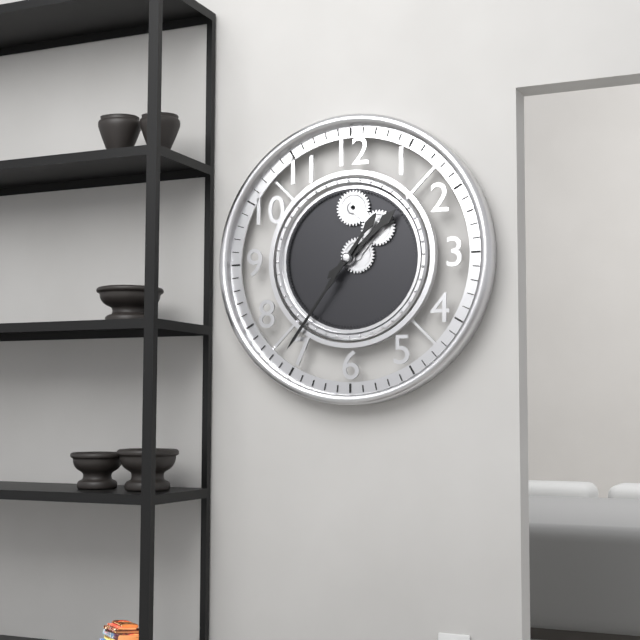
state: 1:36
